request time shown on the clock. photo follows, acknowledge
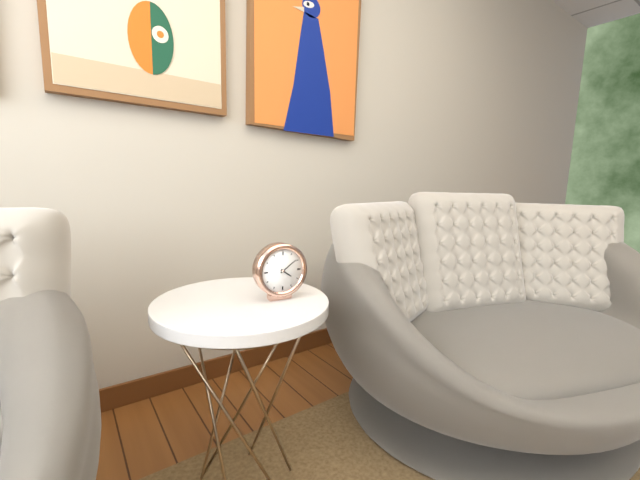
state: 4:09
